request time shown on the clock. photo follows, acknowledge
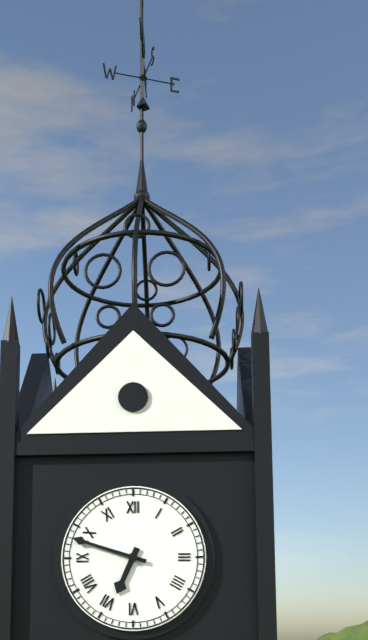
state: 6:48
